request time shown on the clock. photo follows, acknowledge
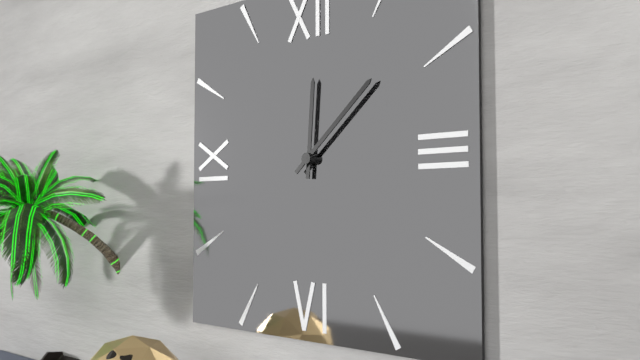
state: 12:08
